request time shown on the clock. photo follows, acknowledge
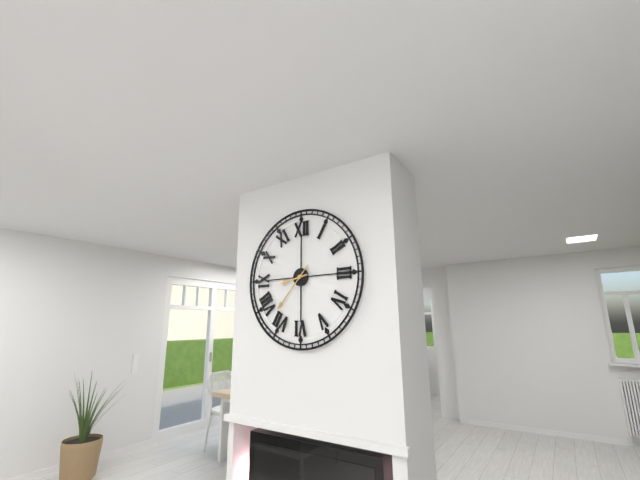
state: 8:37
